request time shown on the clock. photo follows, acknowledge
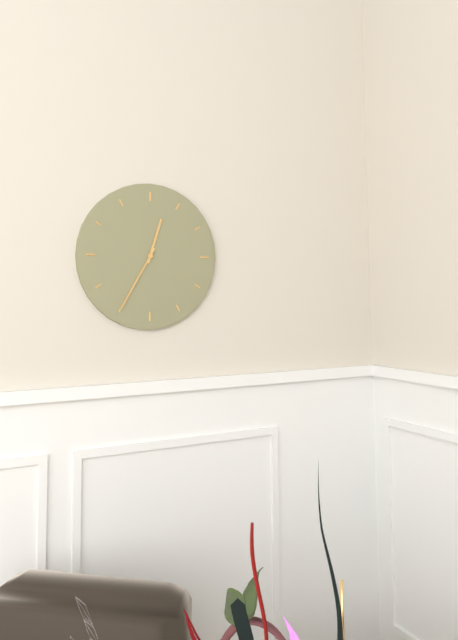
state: 12:35
